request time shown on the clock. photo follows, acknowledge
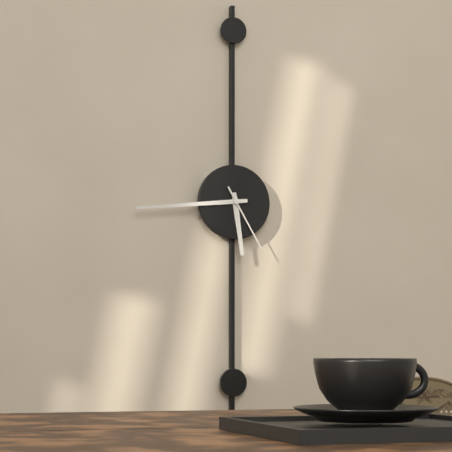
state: 5:44:25
